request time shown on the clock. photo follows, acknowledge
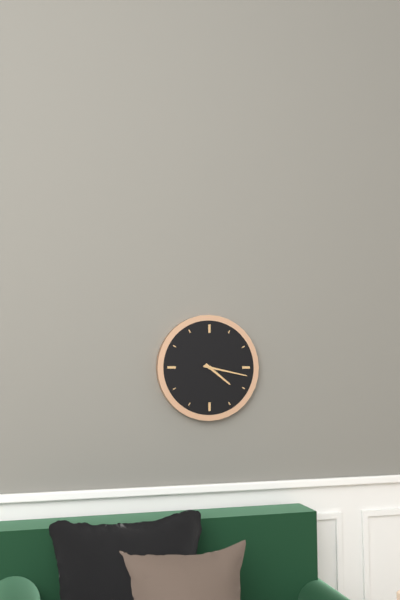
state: 4:17
